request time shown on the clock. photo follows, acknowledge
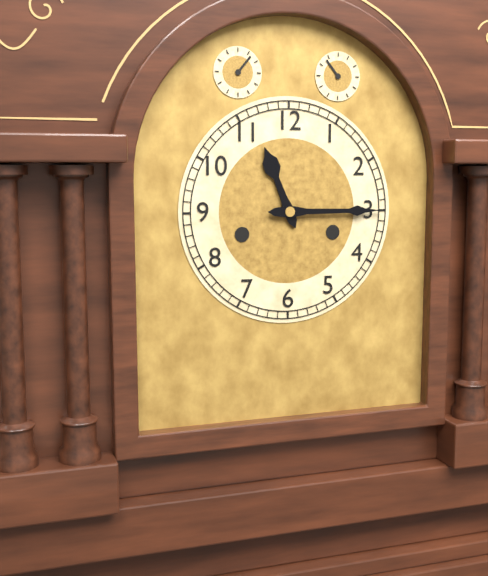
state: 11:15
